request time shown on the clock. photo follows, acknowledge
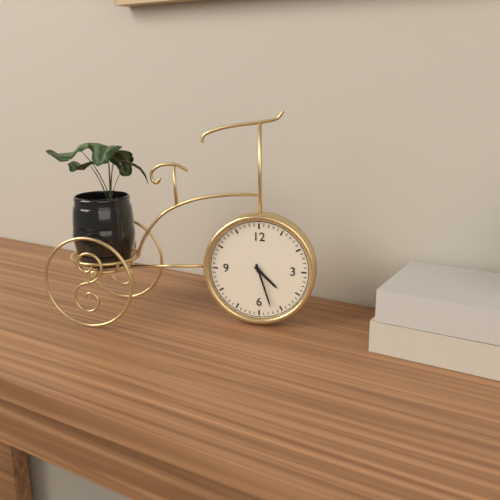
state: 4:27
